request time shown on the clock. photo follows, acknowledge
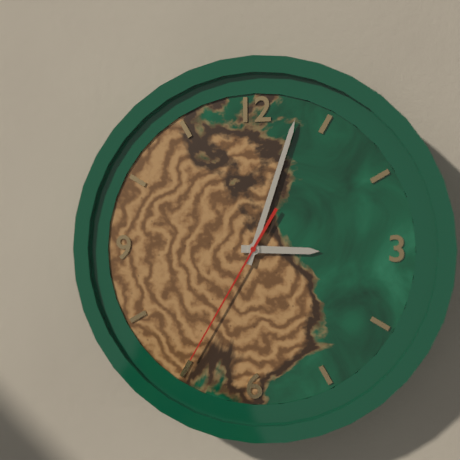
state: 3:03:35
